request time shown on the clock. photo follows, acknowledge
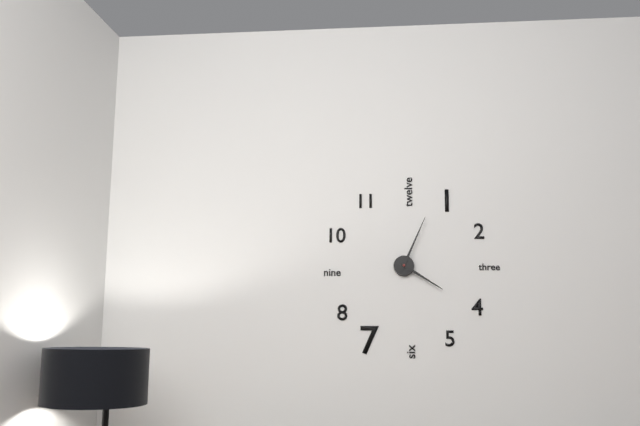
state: 4:04
